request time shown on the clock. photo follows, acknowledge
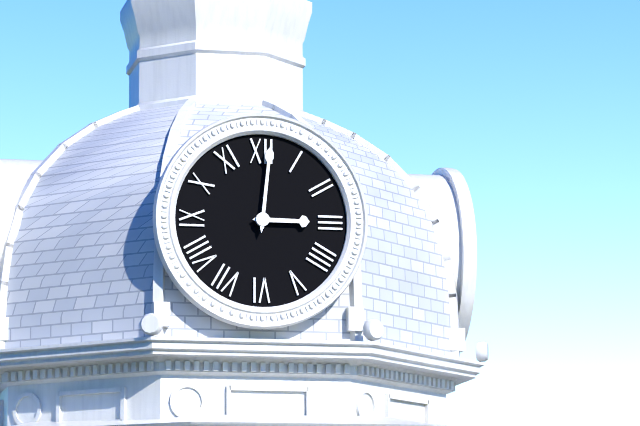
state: 3:01
